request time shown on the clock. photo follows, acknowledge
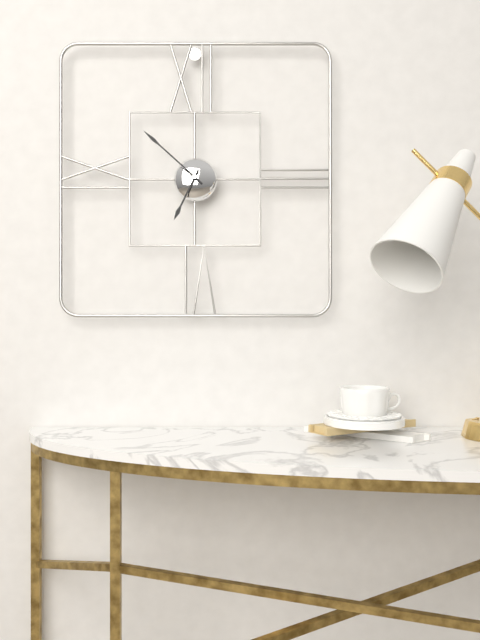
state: 6:52
